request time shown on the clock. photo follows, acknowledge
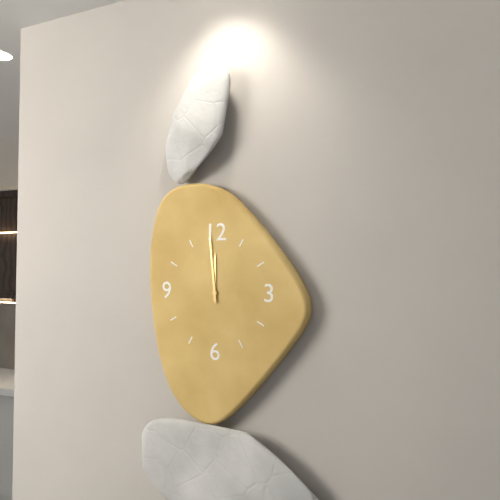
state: 11:59
